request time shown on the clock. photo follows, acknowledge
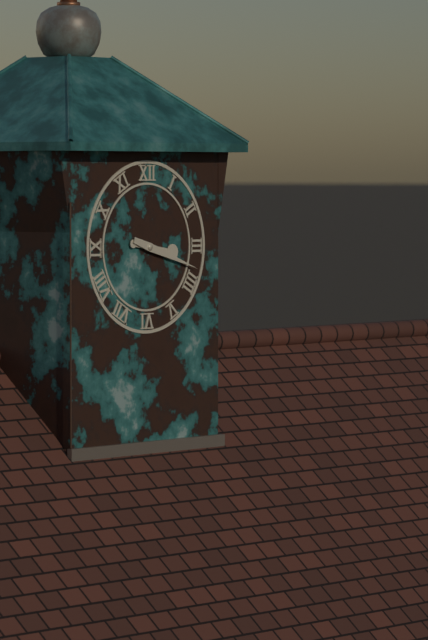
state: 3:18
